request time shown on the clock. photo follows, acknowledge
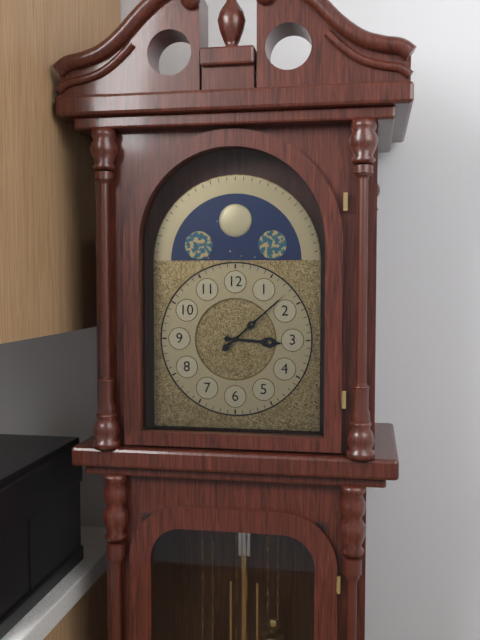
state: 3:08
